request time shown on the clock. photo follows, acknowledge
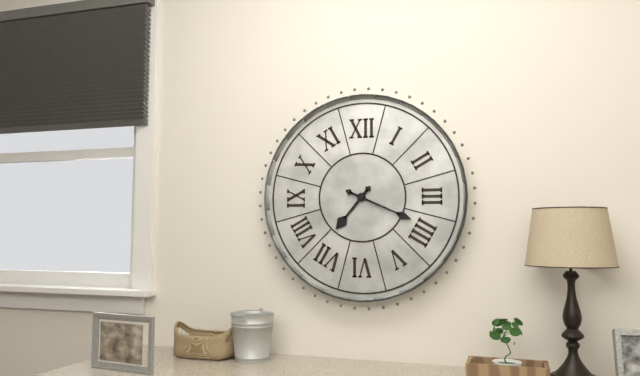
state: 7:19
